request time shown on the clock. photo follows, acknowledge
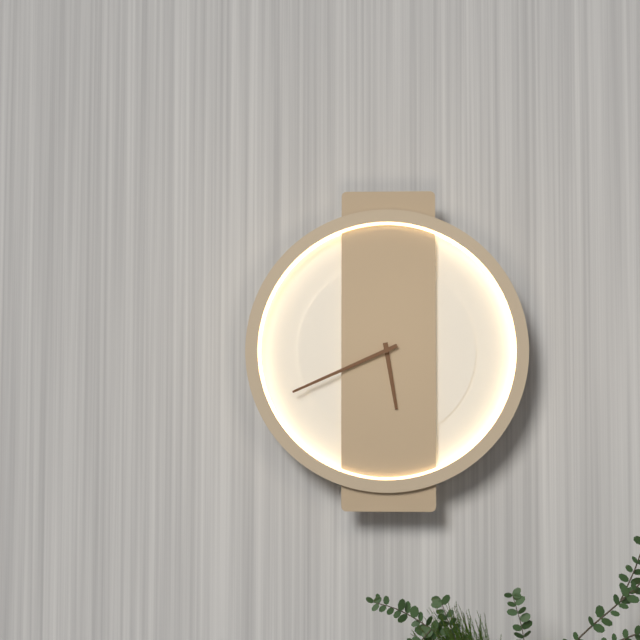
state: 5:41
